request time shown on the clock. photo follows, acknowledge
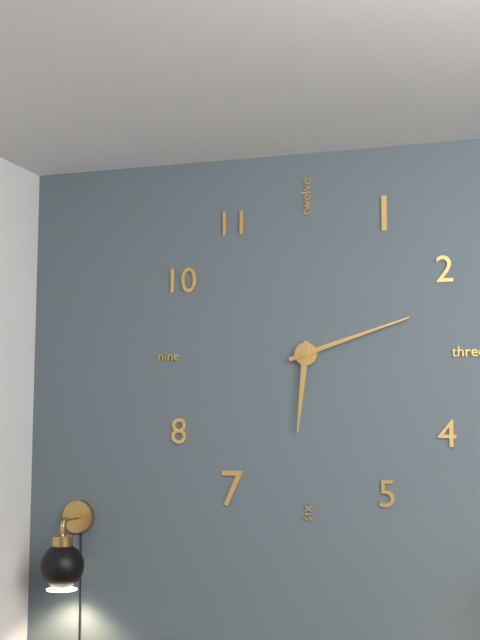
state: 6:12
